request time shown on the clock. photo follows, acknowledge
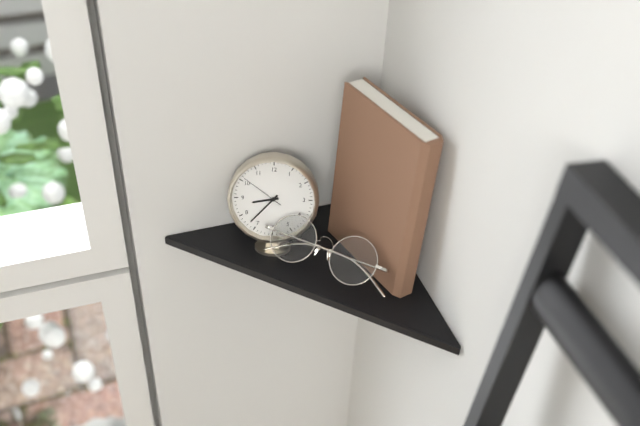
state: 8:37
